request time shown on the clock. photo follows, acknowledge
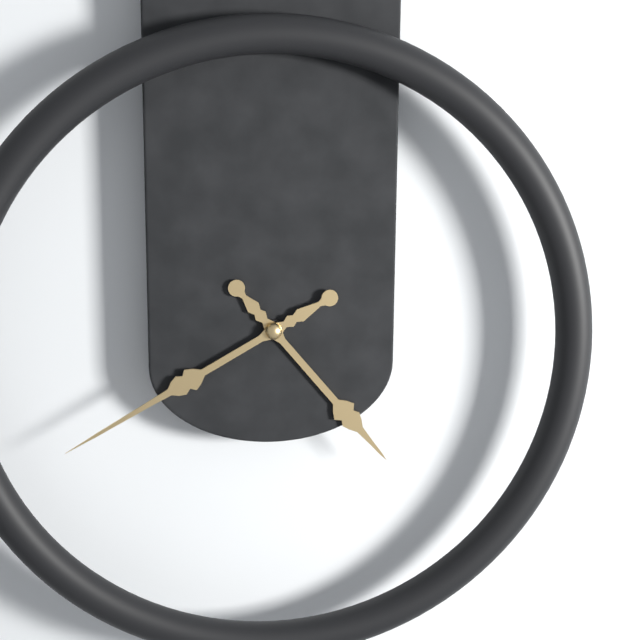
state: 4:40
